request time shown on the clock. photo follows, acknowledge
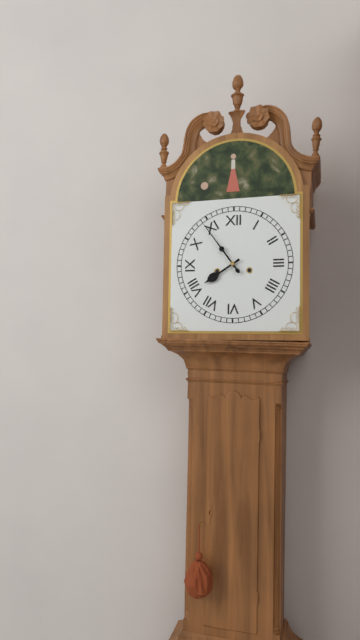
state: 7:54
